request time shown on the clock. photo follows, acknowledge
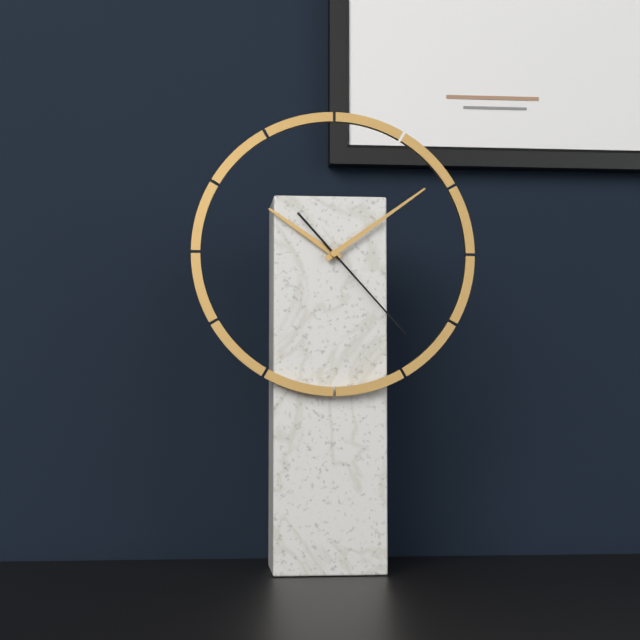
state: 10:09:23
